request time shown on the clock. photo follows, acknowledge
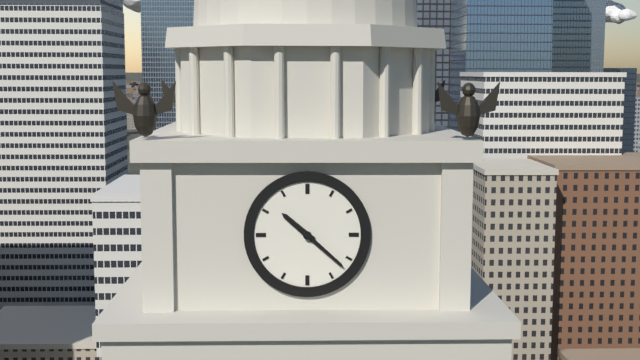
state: 10:22
